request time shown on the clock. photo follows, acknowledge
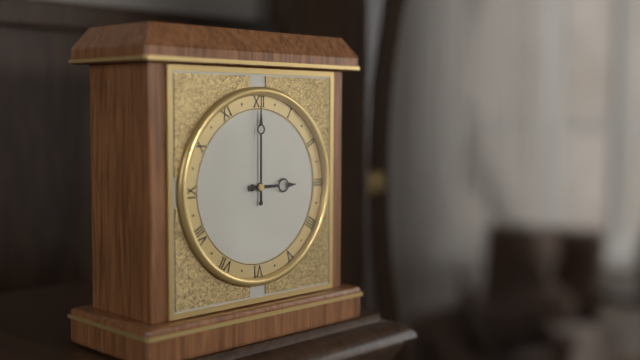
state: 3:00
